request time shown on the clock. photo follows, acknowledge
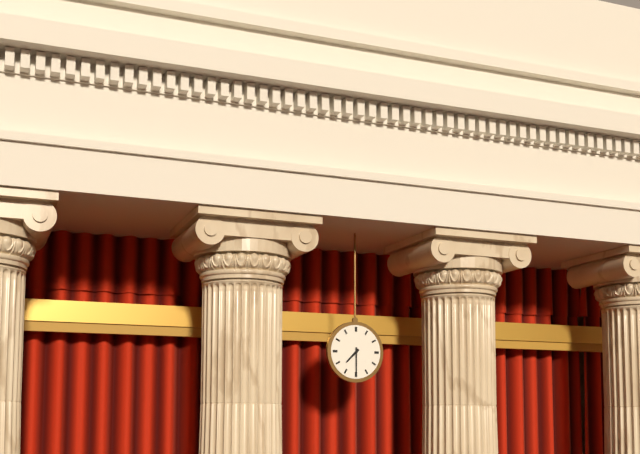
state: 7:30
